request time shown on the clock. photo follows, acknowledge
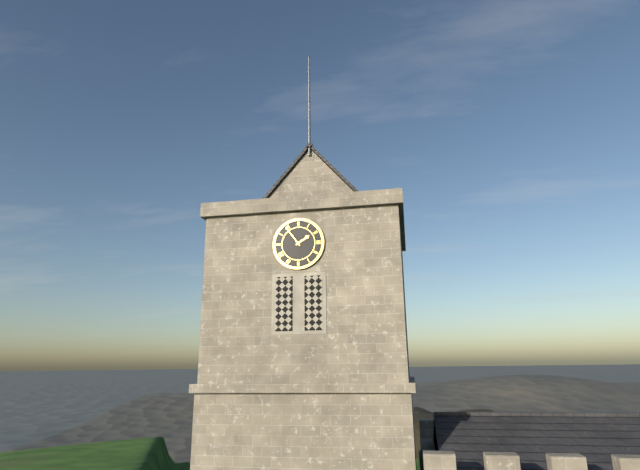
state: 1:54
